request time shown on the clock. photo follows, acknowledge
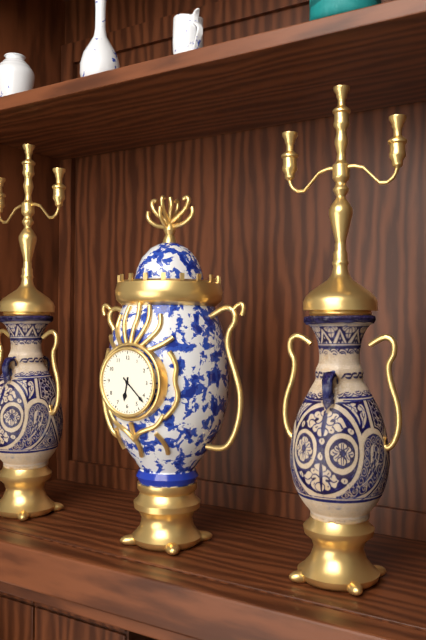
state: 6:22
